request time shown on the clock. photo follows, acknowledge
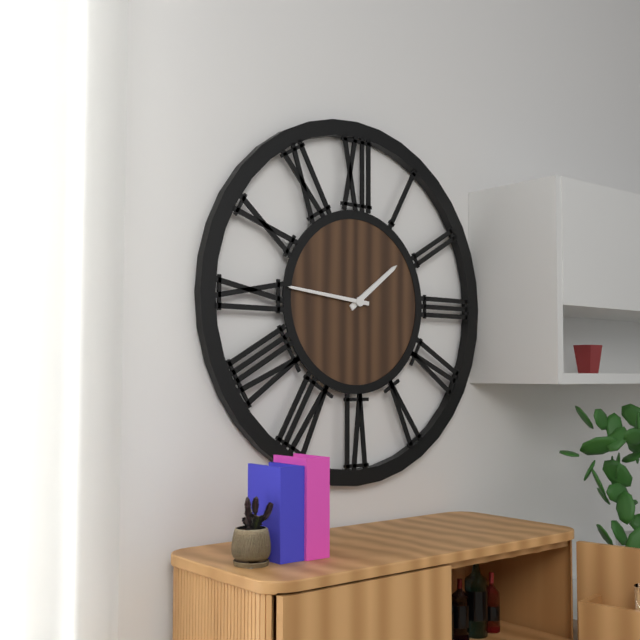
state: 1:46
